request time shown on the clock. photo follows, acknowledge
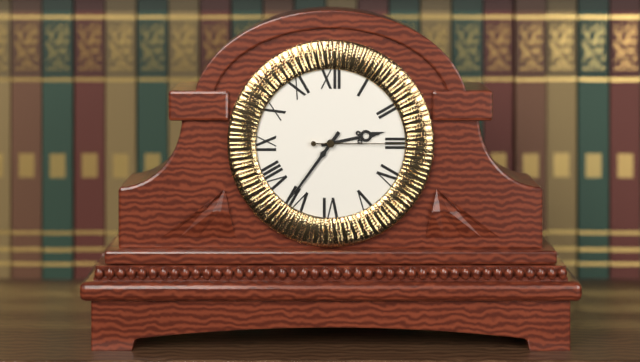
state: 2:36:15
